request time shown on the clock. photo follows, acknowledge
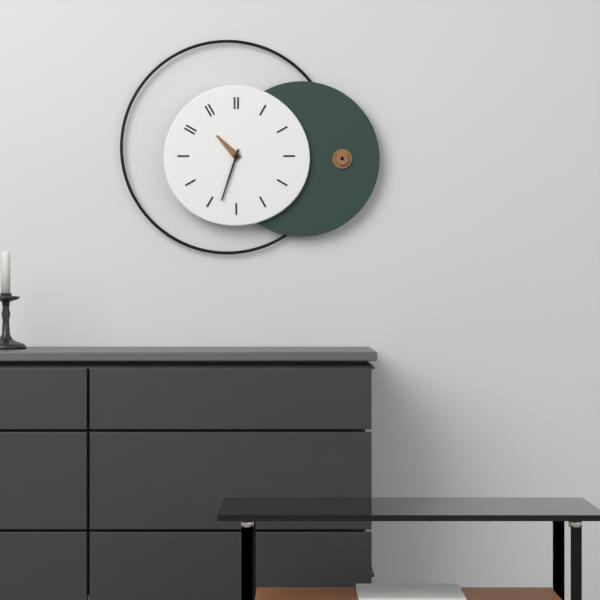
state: 10:33
